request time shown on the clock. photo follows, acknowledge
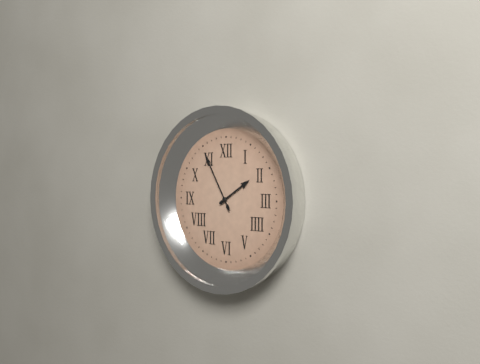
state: 1:55
